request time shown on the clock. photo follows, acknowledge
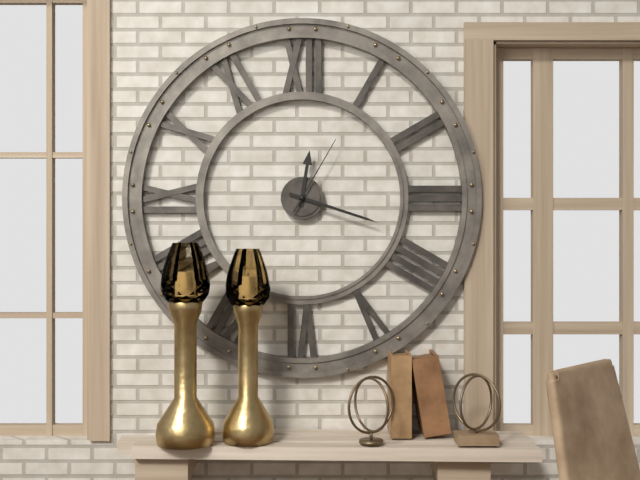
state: 12:18:05
